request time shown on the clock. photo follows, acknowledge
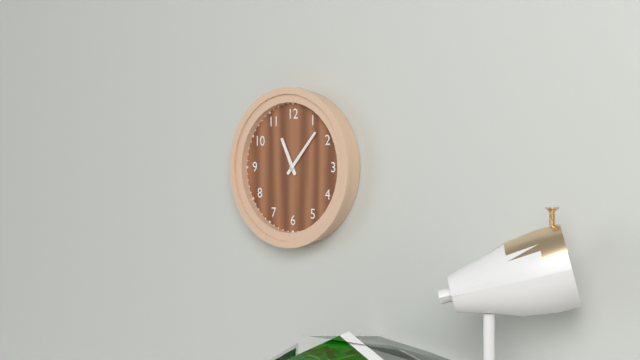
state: 11:07
